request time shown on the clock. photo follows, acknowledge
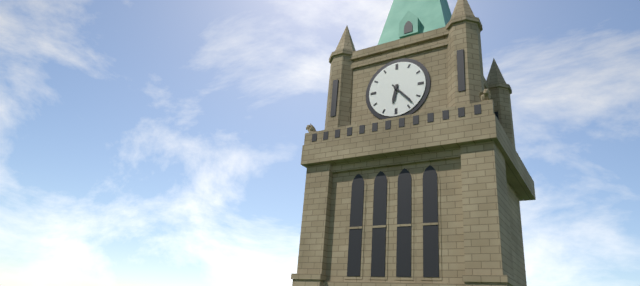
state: 6:23
